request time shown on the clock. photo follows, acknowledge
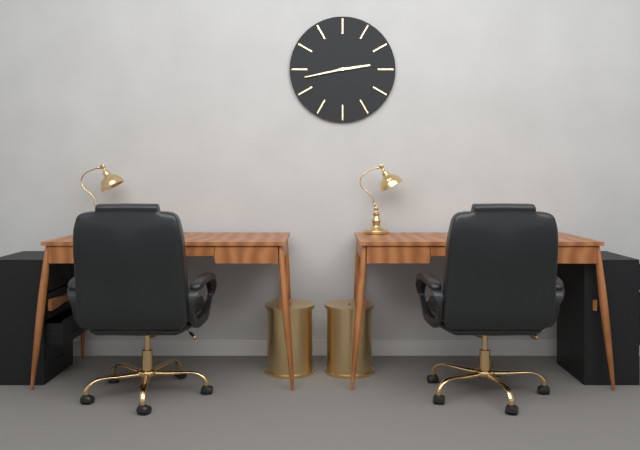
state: 2:43
